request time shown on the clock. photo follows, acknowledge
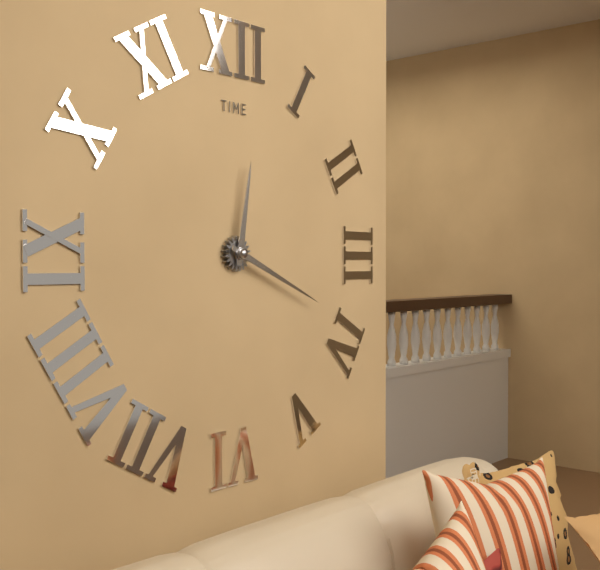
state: 12:19
